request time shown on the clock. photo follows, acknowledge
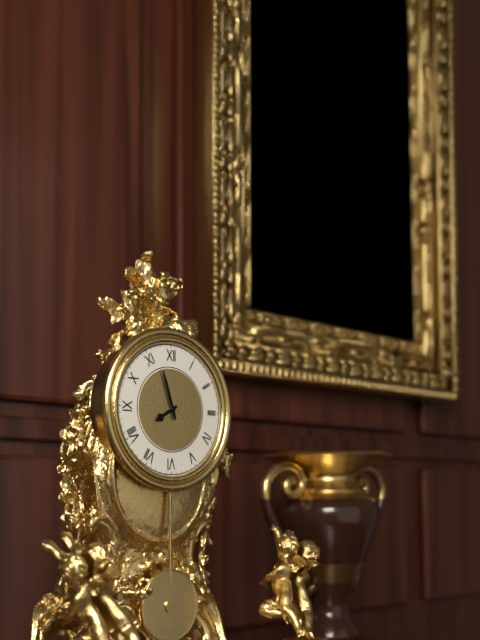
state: 7:57
